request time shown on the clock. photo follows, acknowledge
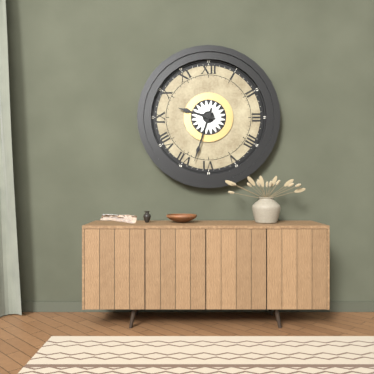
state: 9:33
